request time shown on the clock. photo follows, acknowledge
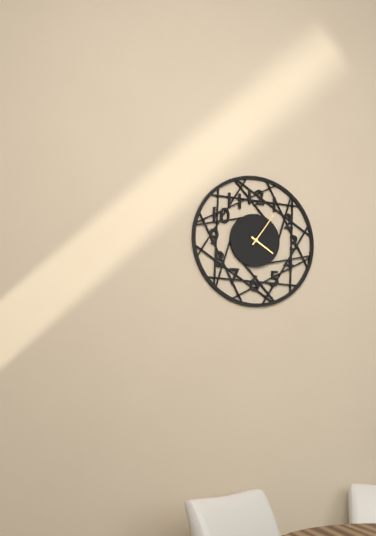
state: 4:06
